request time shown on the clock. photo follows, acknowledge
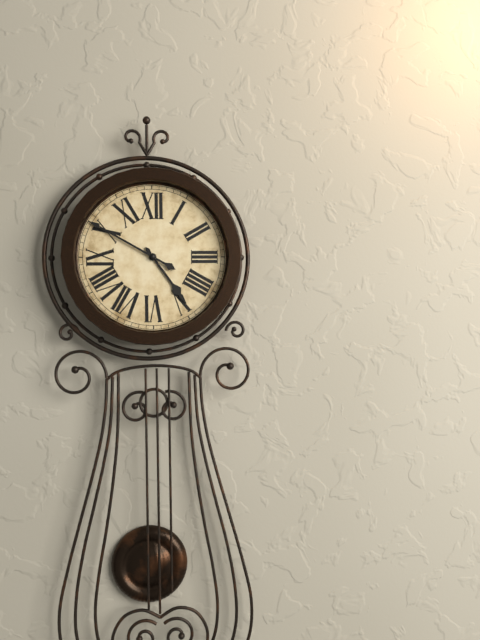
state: 4:50
